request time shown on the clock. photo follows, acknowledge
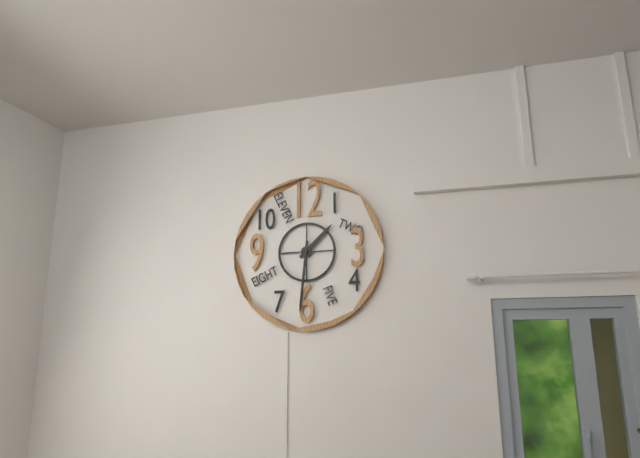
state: 1:31
